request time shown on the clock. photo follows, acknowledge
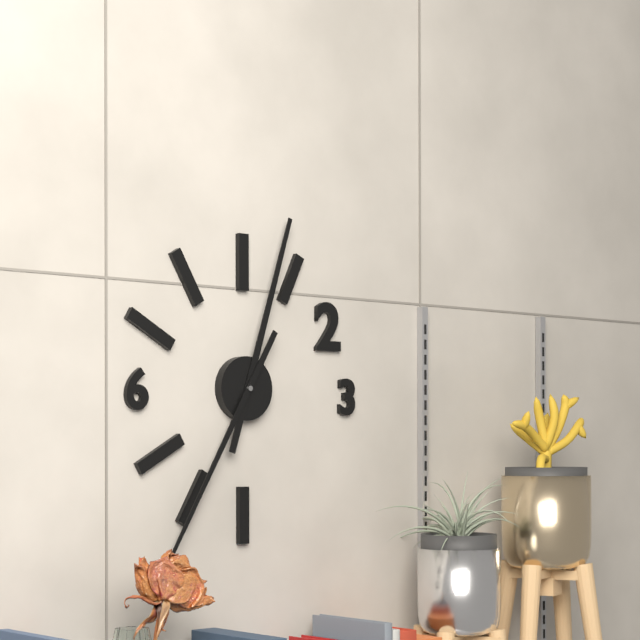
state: 12:35
